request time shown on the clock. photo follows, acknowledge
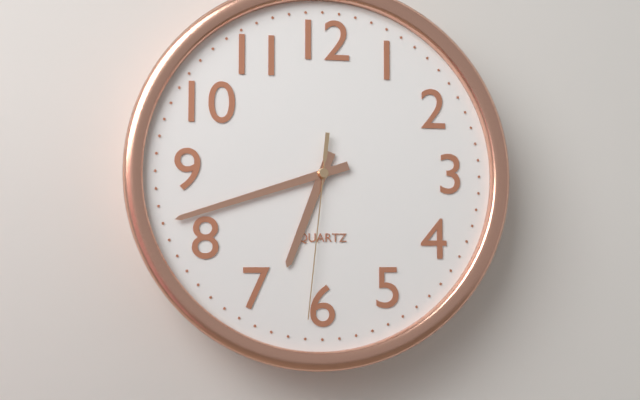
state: 6:42:31
